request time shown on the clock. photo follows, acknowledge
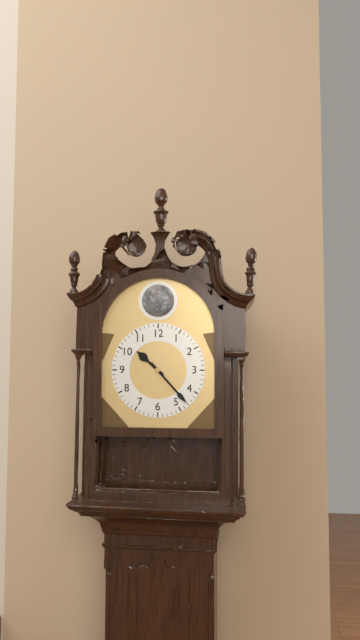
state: 10:23
